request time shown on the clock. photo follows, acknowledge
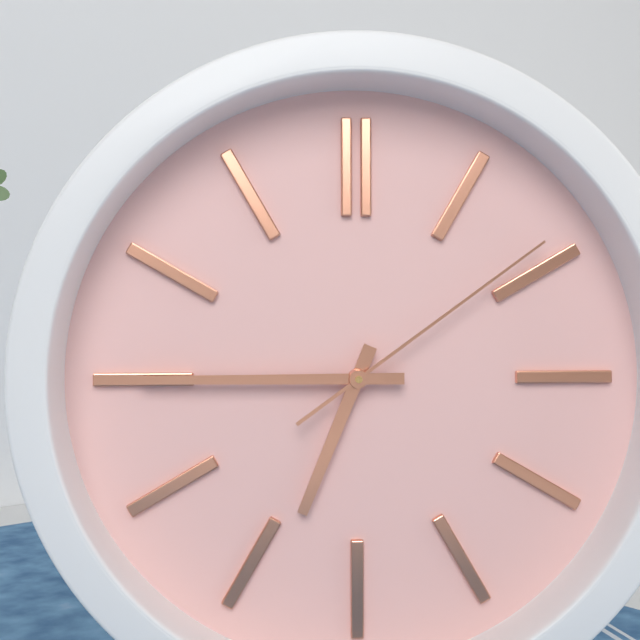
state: 6:45:09
